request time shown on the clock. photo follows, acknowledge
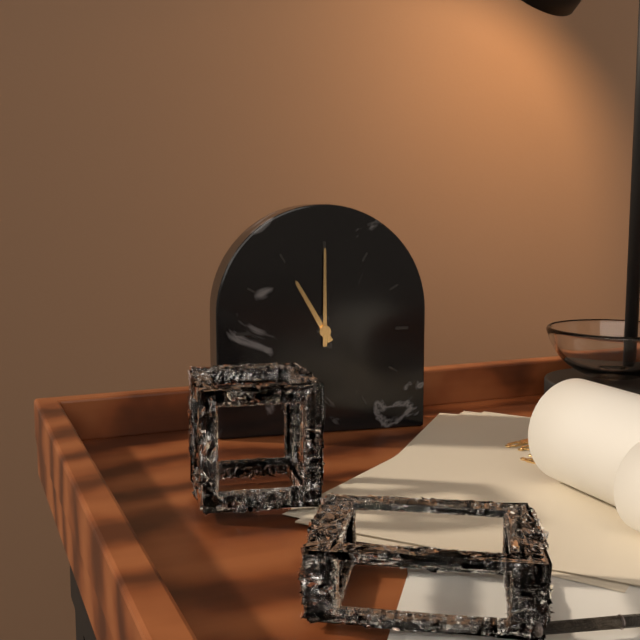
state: 11:00
